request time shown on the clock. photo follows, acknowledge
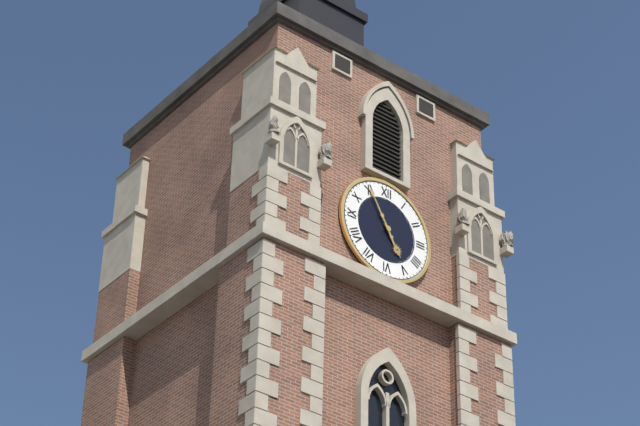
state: 4:55
